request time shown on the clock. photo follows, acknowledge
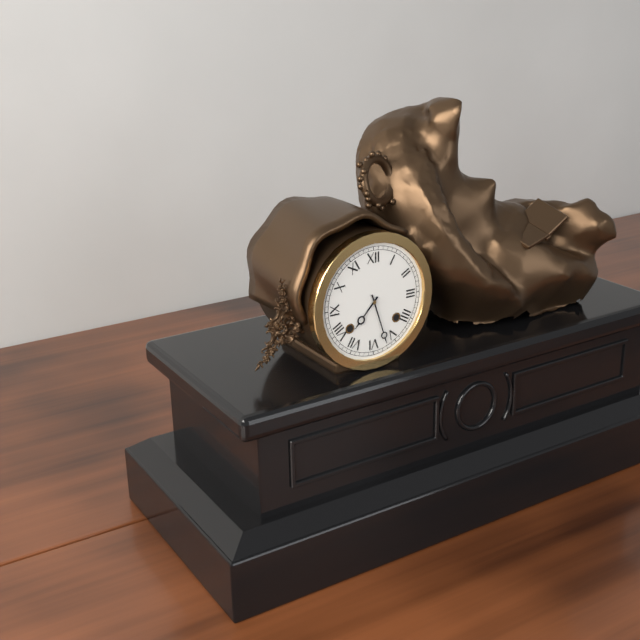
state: 7:27
